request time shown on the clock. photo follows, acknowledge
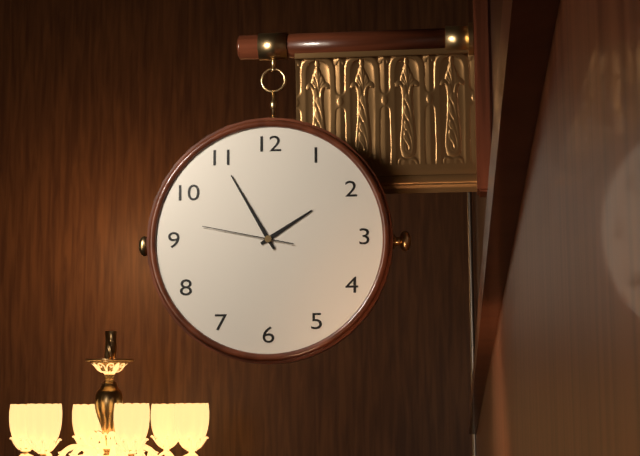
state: 1:55:47
